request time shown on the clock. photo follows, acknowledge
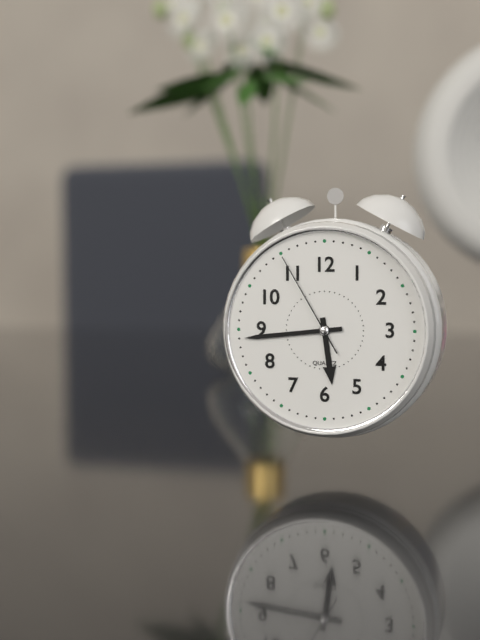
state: 5:44:55
